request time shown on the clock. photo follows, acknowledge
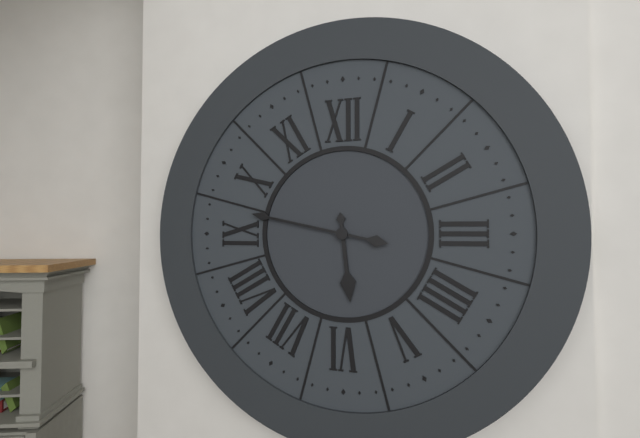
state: 5:47
